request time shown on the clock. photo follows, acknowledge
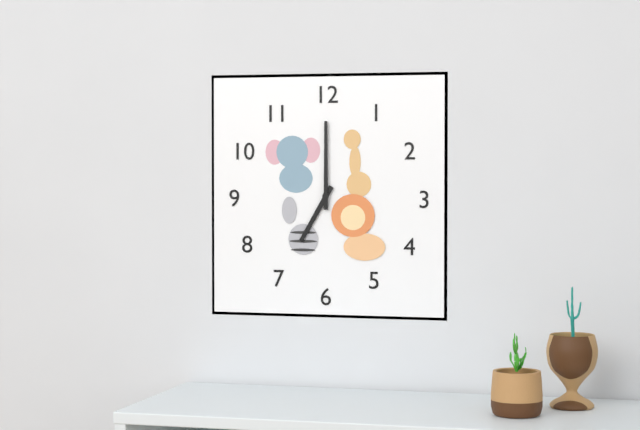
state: 7:00
